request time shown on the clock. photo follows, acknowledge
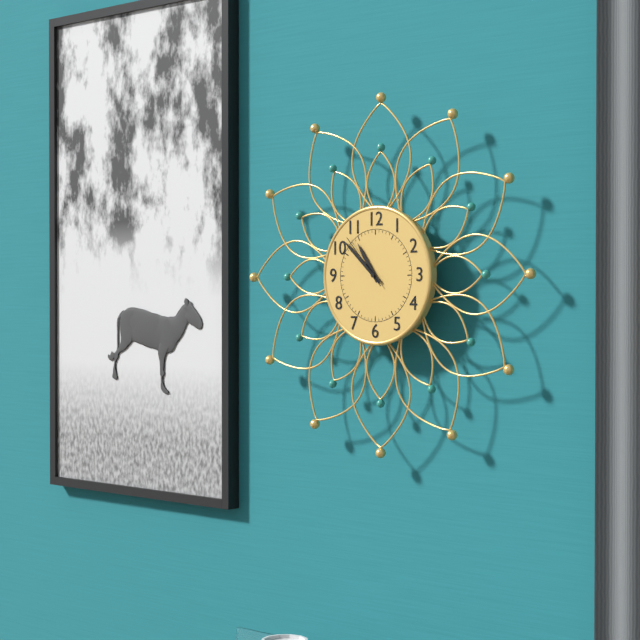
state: 10:52:53
